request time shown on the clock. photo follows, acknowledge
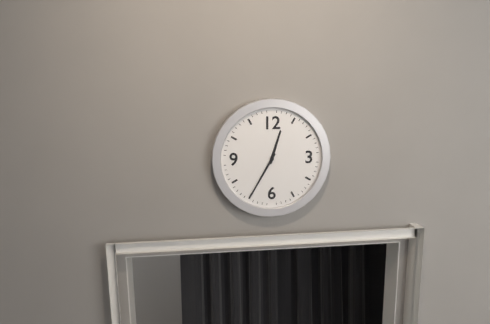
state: 12:35
